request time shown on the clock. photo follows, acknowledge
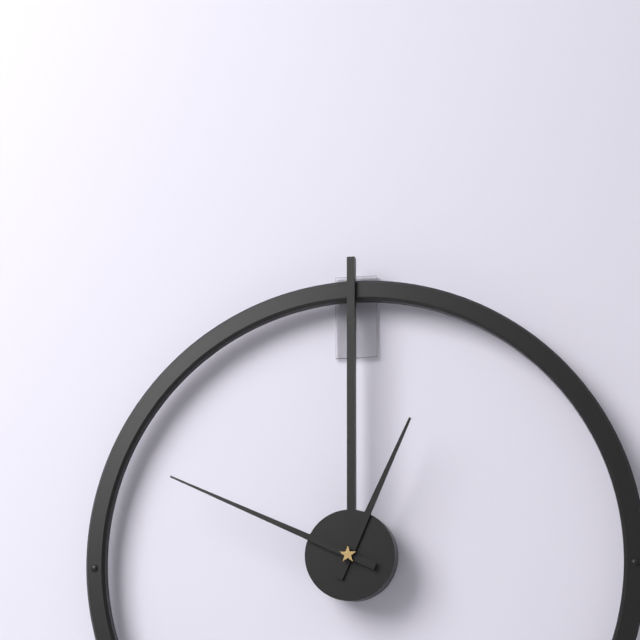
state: 12:49
